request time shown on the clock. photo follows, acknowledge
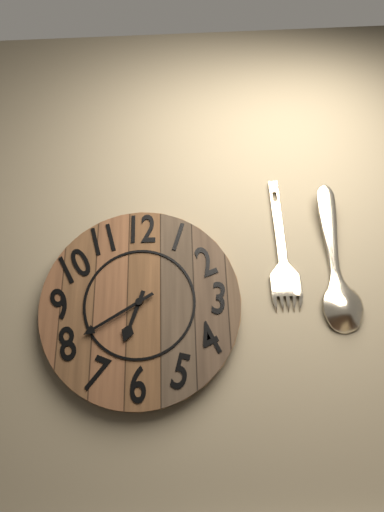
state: 6:40
